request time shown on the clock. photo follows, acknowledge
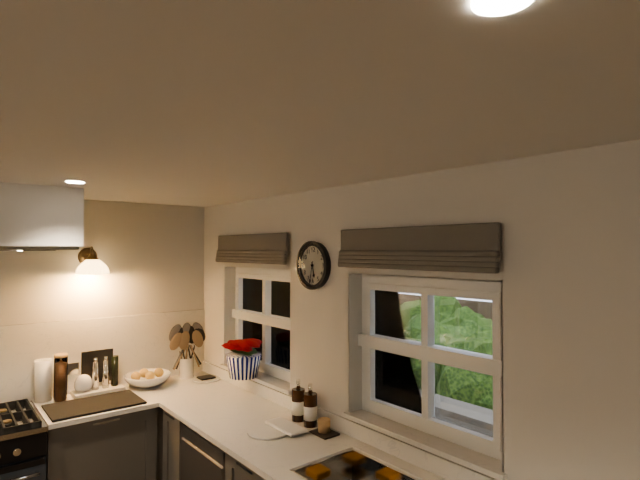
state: 5:32
